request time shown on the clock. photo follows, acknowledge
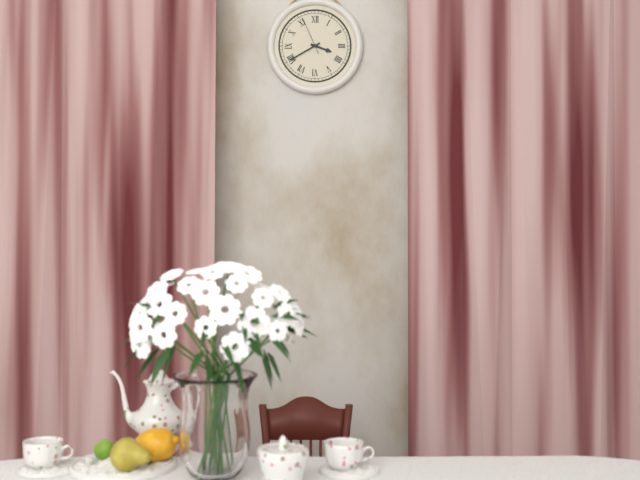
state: 3:40
